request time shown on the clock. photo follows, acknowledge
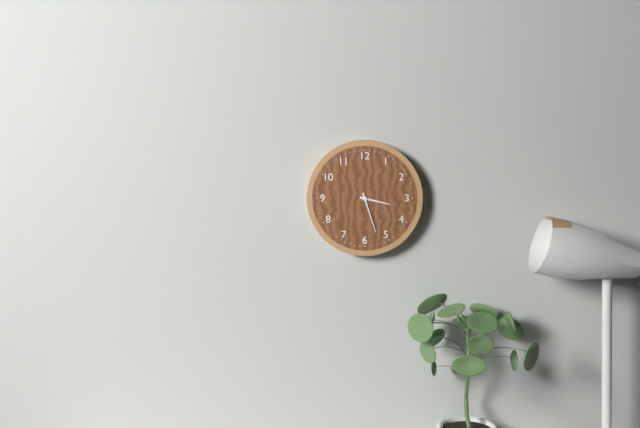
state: 3:27
